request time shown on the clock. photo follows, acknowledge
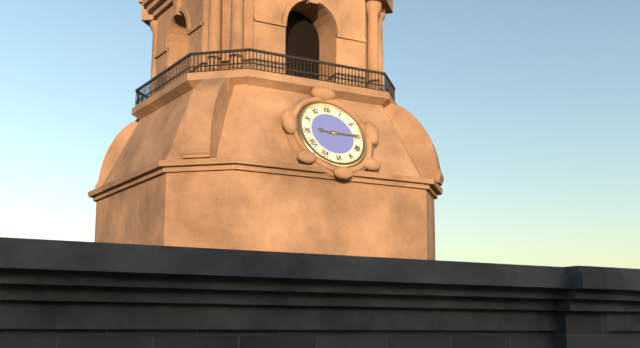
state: 9:15
